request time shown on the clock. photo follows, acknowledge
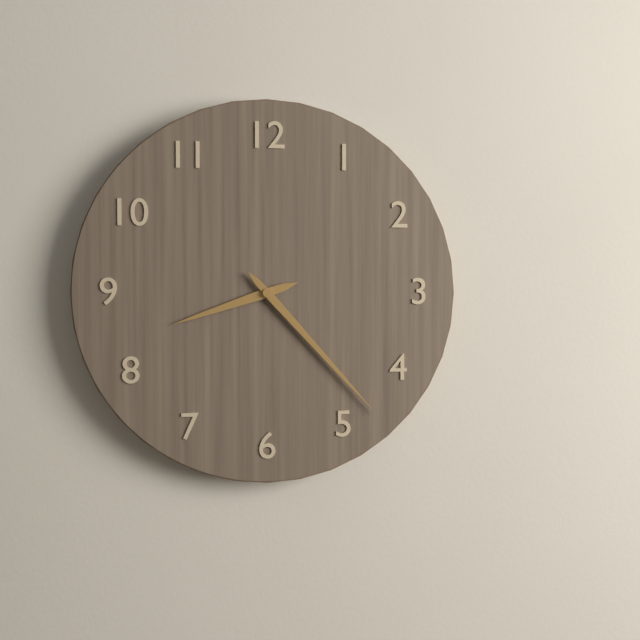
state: 8:23
